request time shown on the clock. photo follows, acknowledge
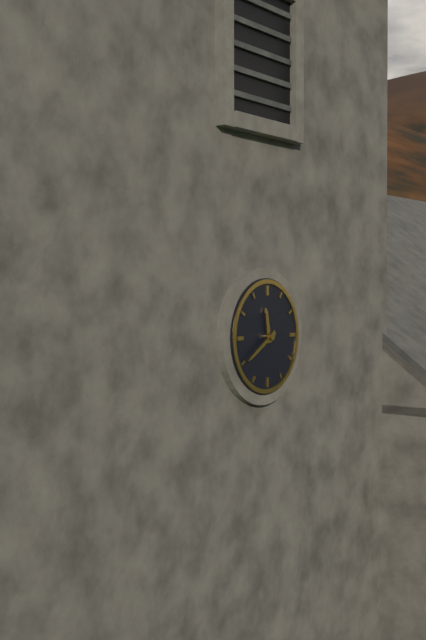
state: 11:40
